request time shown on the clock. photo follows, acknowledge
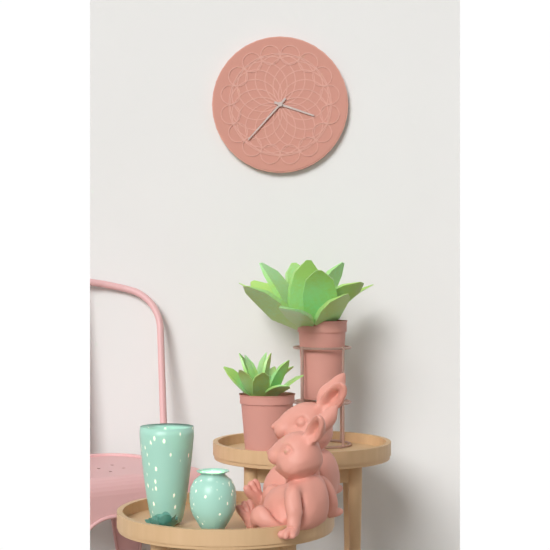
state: 3:37
